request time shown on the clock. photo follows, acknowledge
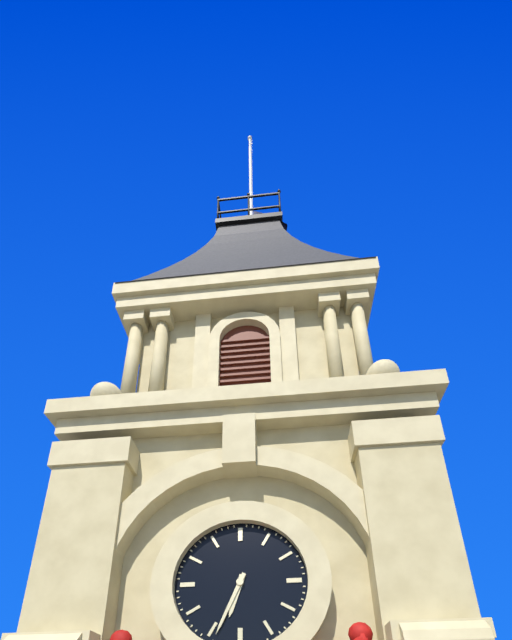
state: 6:34
